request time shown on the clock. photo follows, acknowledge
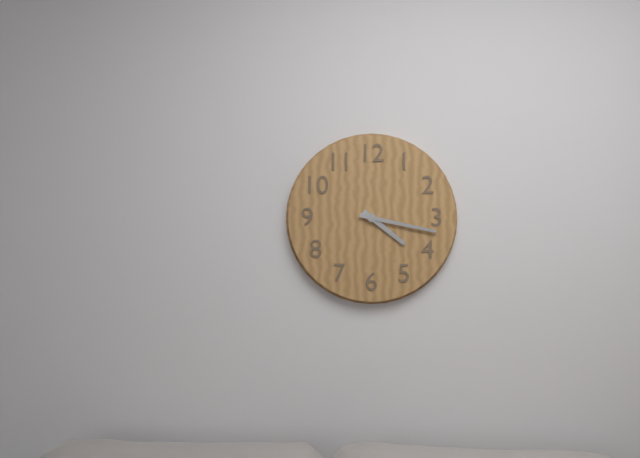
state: 4:17
